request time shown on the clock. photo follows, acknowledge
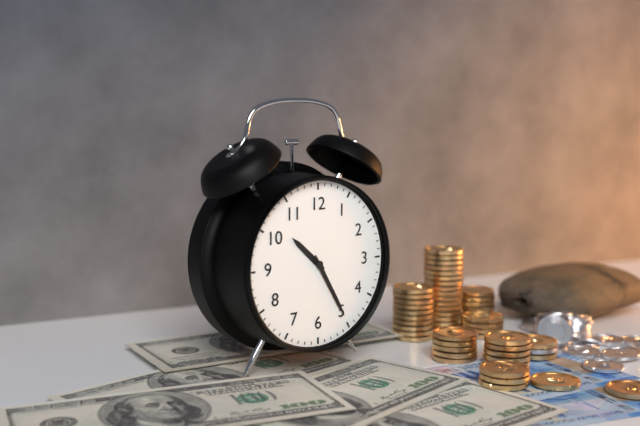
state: 10:25
